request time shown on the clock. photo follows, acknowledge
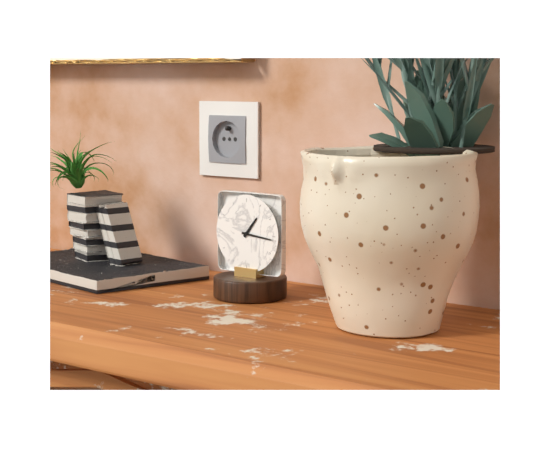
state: 1:16
